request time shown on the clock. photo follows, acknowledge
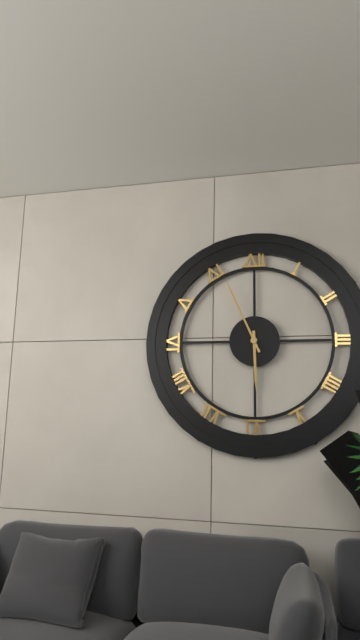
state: 5:56
